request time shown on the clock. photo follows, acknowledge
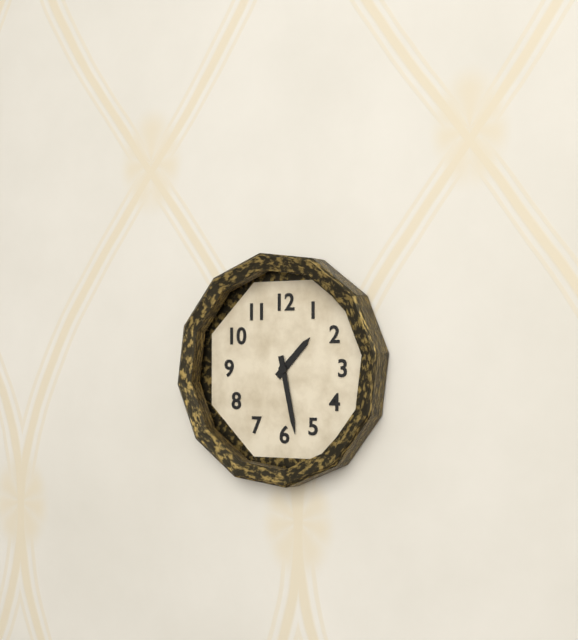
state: 1:28
